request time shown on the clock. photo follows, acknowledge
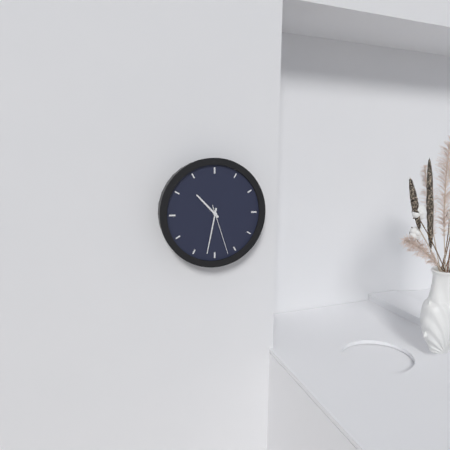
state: 10:32:27
